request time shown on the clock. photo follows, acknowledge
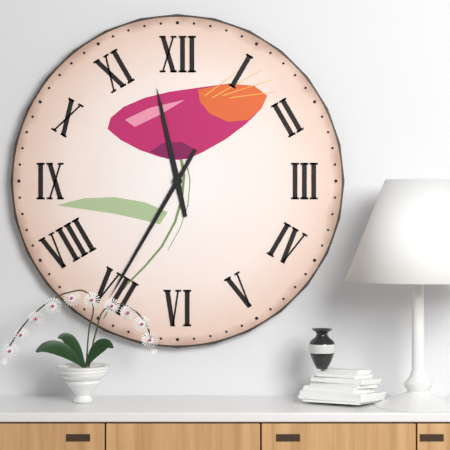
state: 11:35
